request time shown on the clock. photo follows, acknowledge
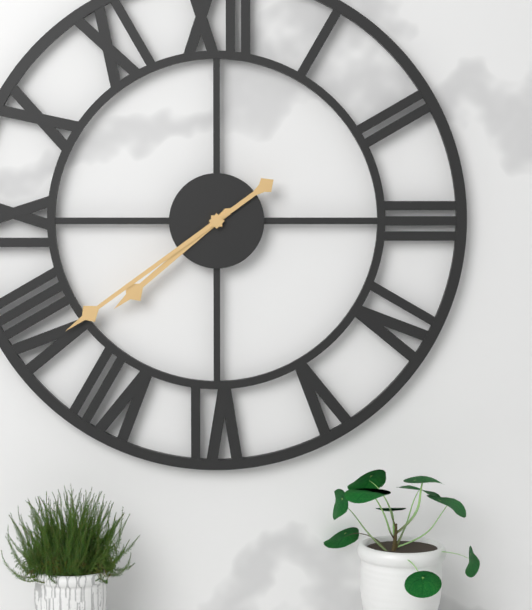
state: 7:39
